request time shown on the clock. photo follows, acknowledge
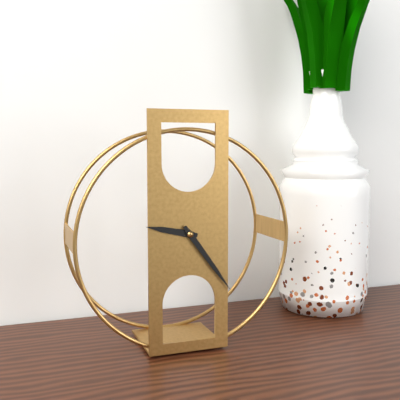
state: 9:24
